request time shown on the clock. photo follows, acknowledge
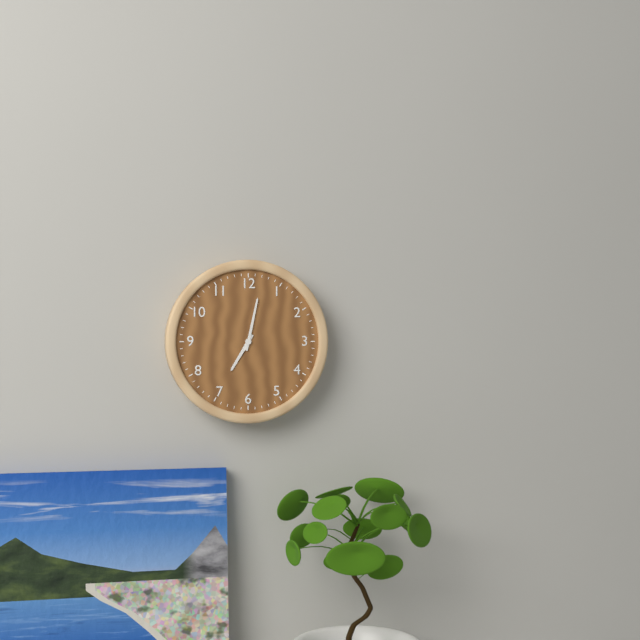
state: 7:02
